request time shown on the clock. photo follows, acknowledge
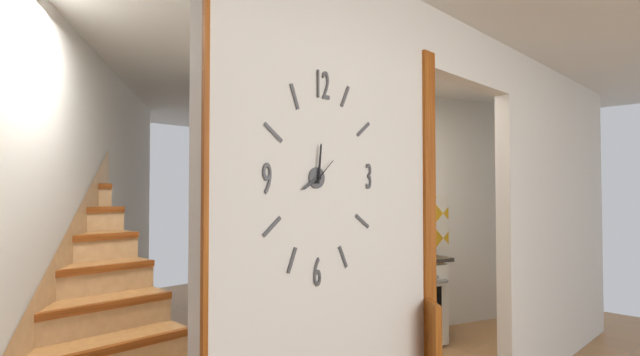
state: 8:01
